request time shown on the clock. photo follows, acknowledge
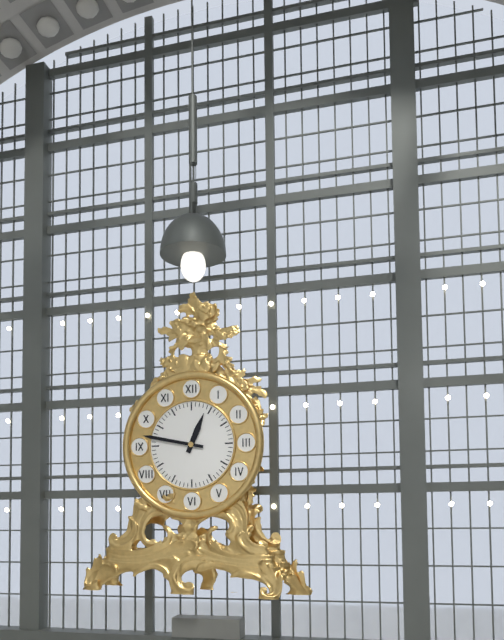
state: 12:47
